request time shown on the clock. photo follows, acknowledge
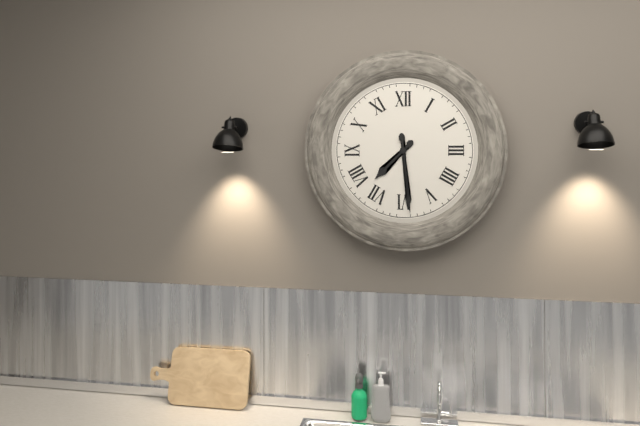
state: 7:29
